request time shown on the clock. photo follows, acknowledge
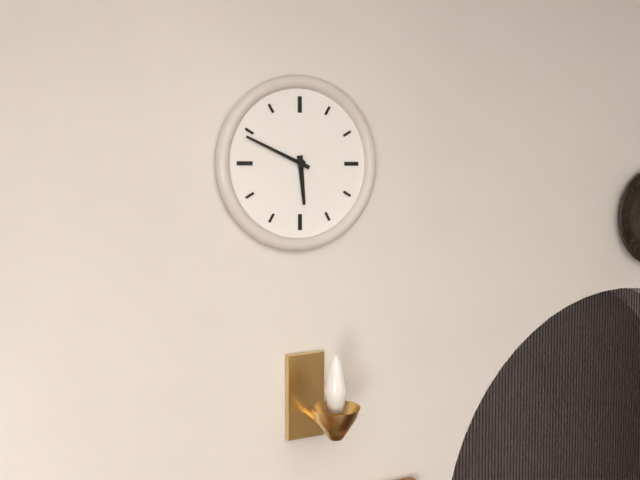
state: 5:49
